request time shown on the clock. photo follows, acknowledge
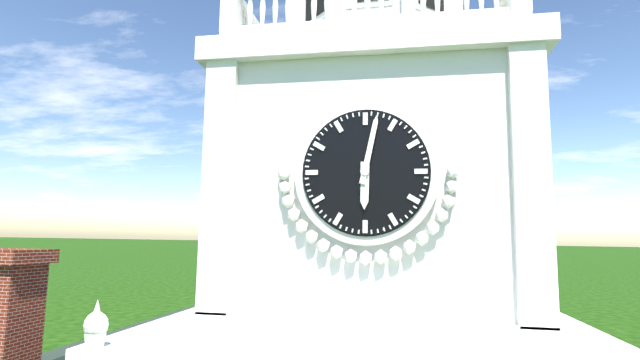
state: 6:02
